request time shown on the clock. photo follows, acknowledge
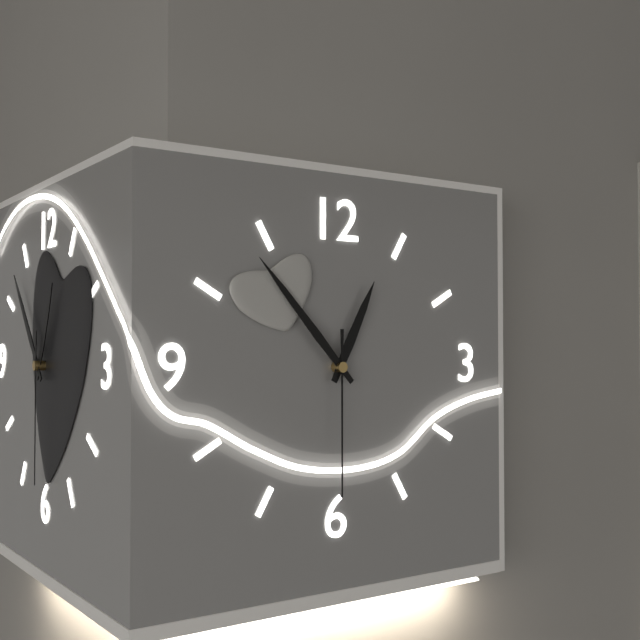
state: 12:53:30
